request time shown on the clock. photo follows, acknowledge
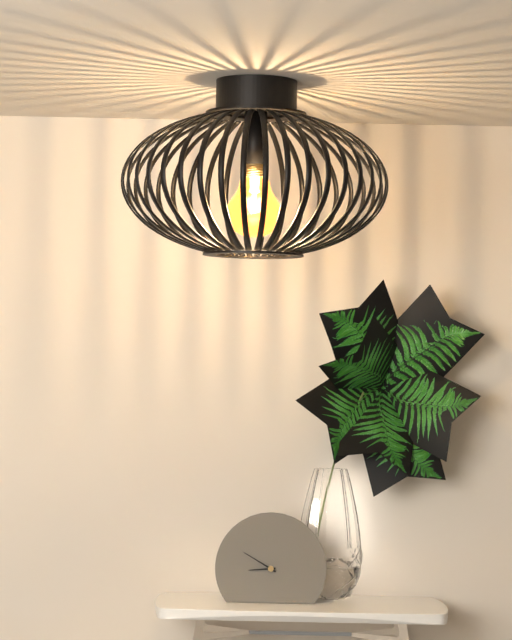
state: 8:50
